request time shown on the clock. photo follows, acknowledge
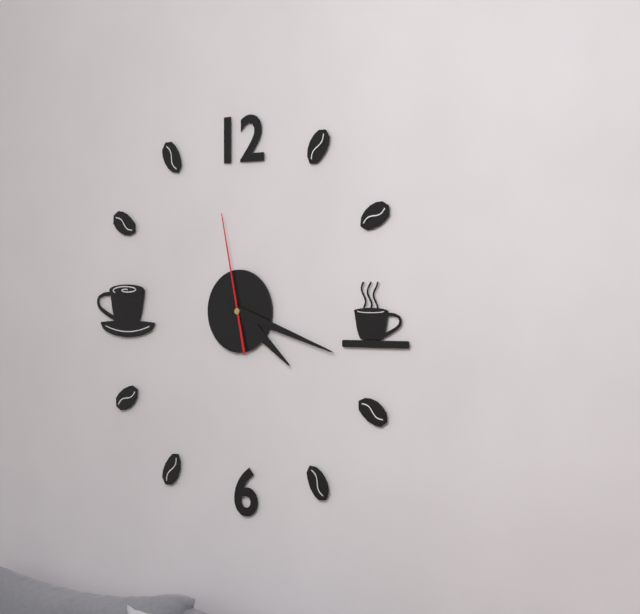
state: 4:18:58
